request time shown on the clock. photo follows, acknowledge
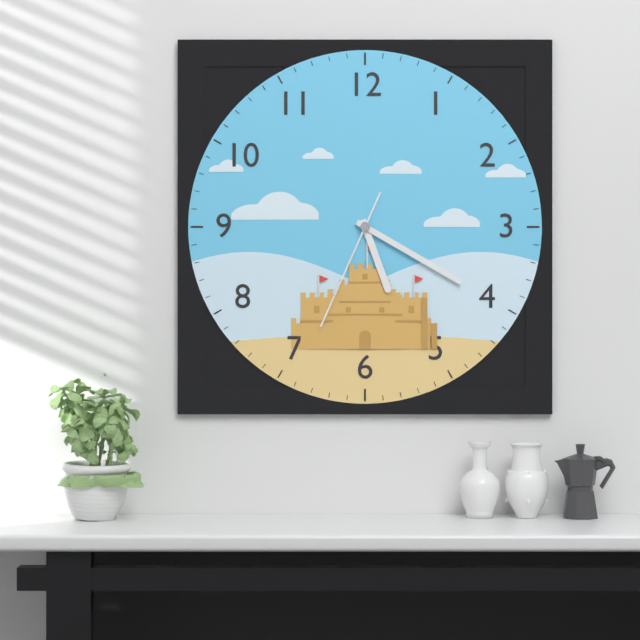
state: 5:20:34
